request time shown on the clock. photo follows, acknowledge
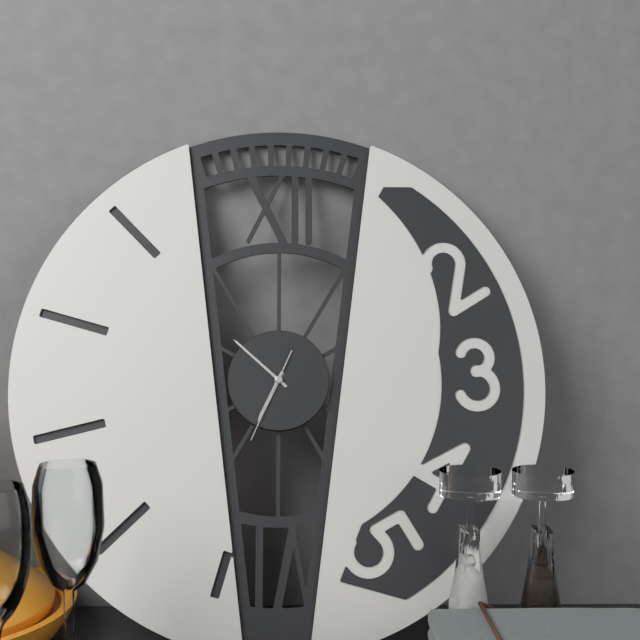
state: 6:52:34
